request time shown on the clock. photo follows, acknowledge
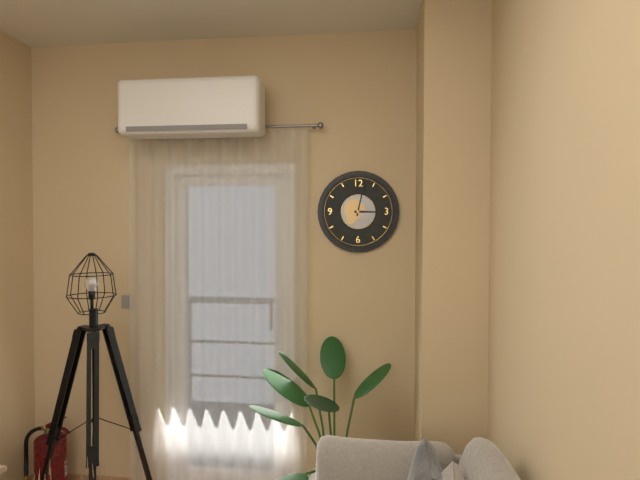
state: 3:02
